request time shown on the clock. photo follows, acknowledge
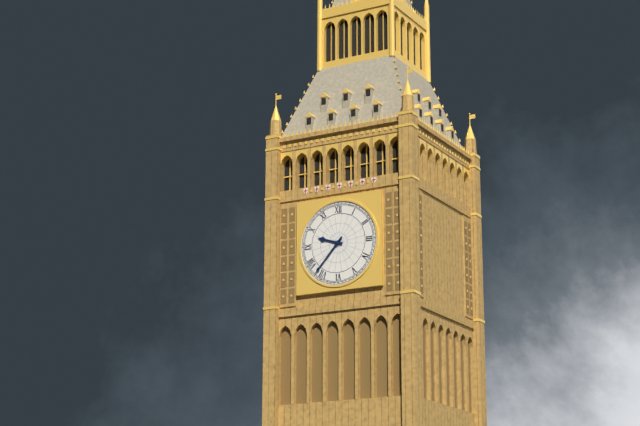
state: 9:37
